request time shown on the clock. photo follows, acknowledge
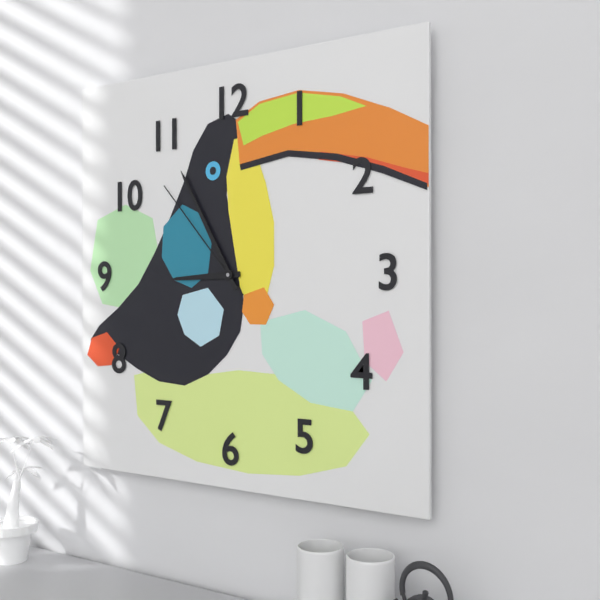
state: 8:55:53
